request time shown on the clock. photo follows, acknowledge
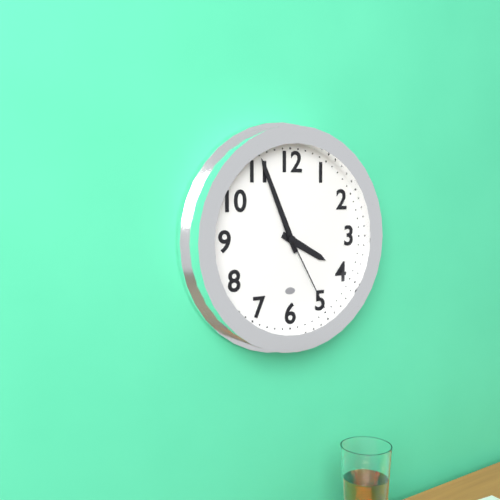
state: 3:56:25
